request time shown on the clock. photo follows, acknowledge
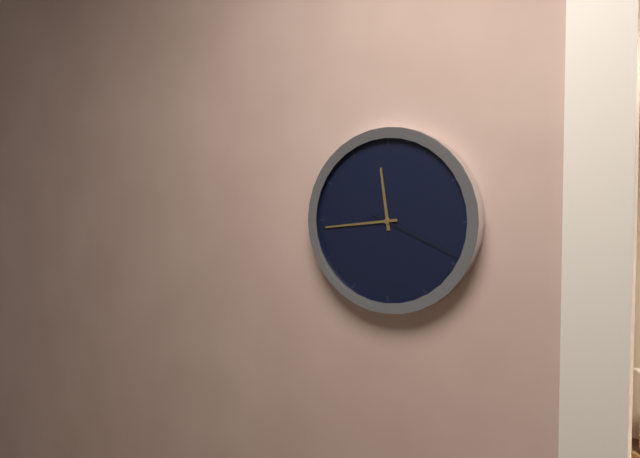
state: 11:44:19
